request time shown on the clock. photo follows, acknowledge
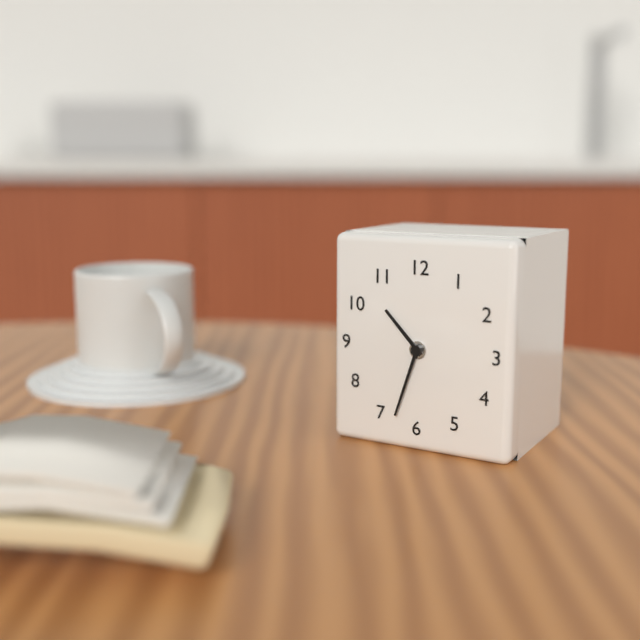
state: 10:33
